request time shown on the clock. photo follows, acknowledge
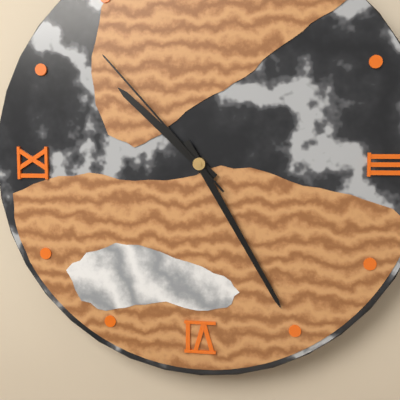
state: 10:25:53
